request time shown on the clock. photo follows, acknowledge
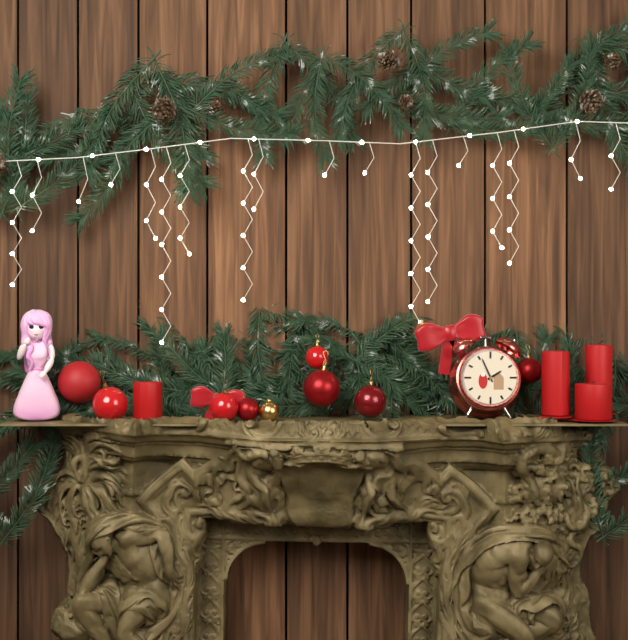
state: 1:56
